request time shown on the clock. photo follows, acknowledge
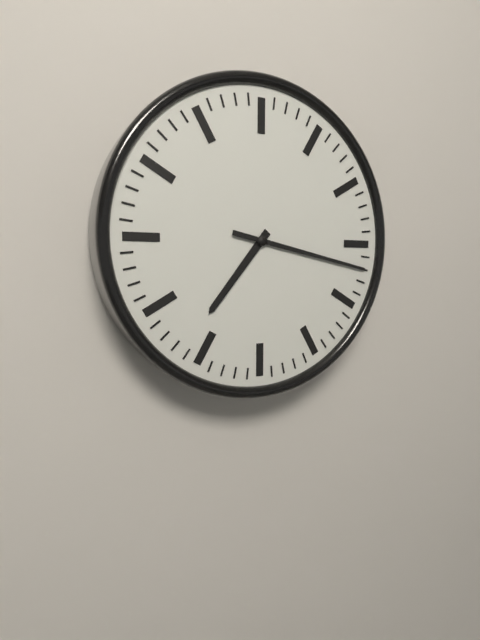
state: 7:17
